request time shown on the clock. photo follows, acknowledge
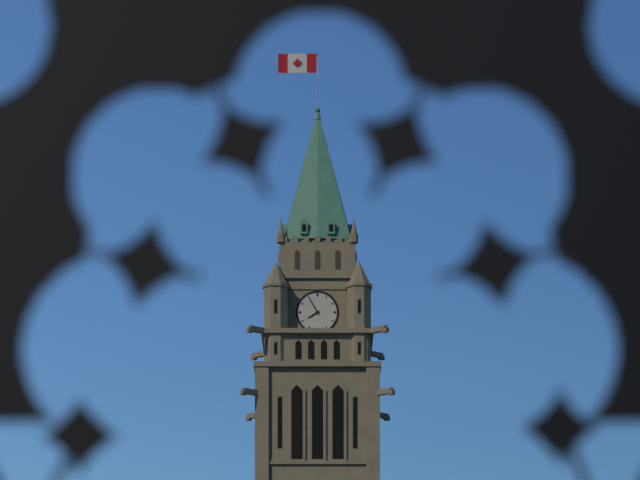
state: 7:55
